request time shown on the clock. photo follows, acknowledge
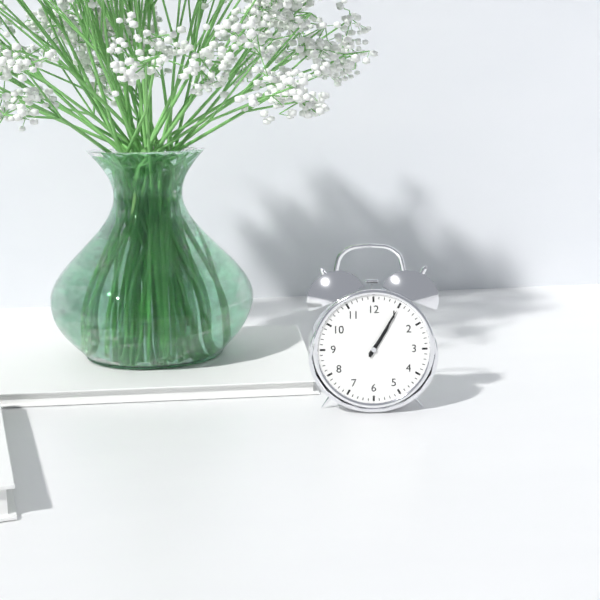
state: 1:05
